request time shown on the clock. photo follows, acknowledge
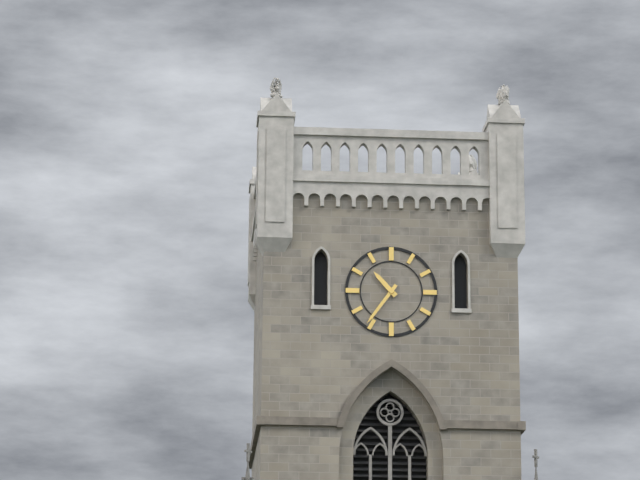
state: 10:36
